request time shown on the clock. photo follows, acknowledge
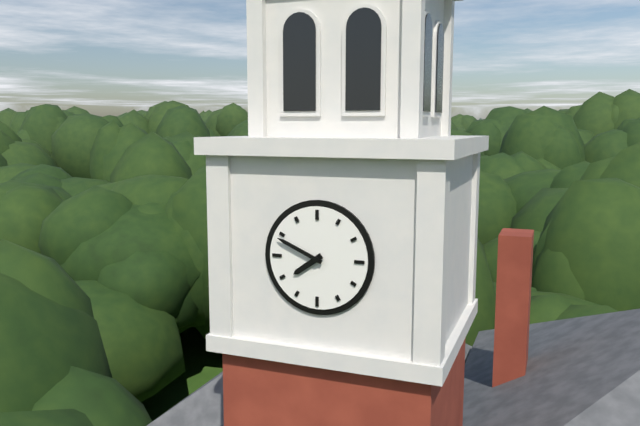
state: 7:49
